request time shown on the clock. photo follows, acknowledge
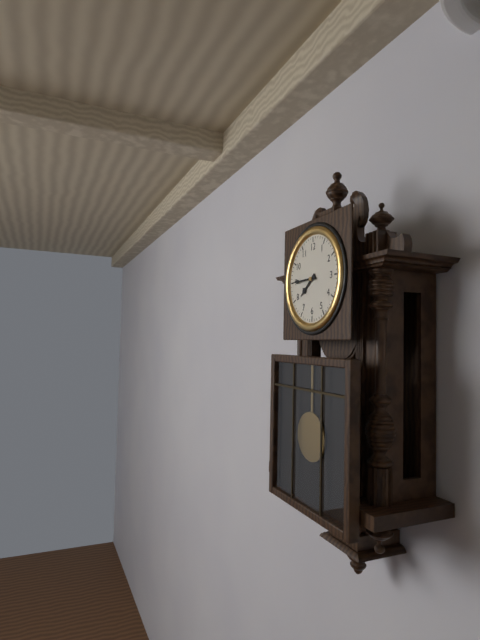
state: 7:45
